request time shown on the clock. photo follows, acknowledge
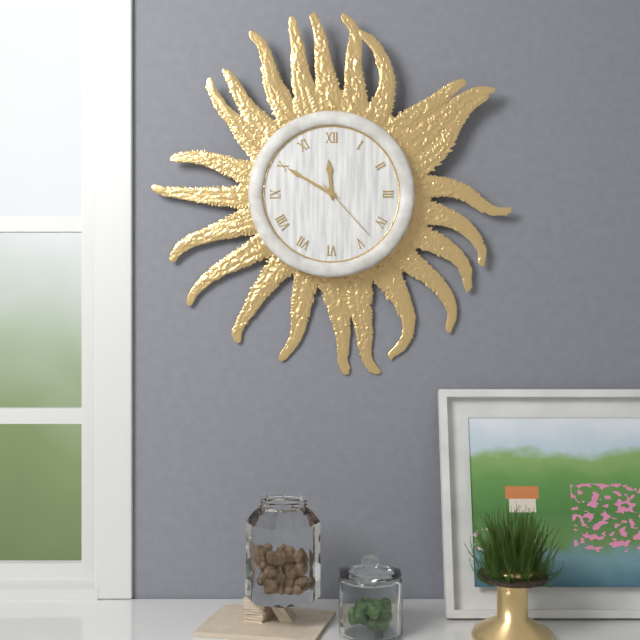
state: 11:50:23
